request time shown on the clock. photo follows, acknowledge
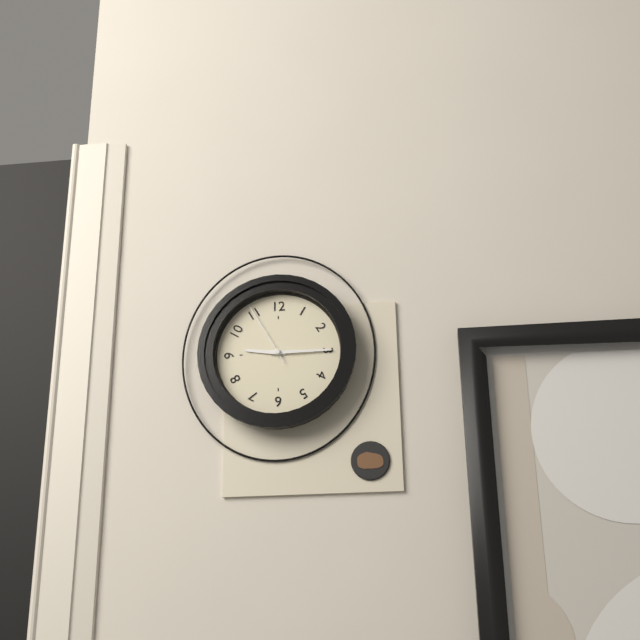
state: 9:15:55
